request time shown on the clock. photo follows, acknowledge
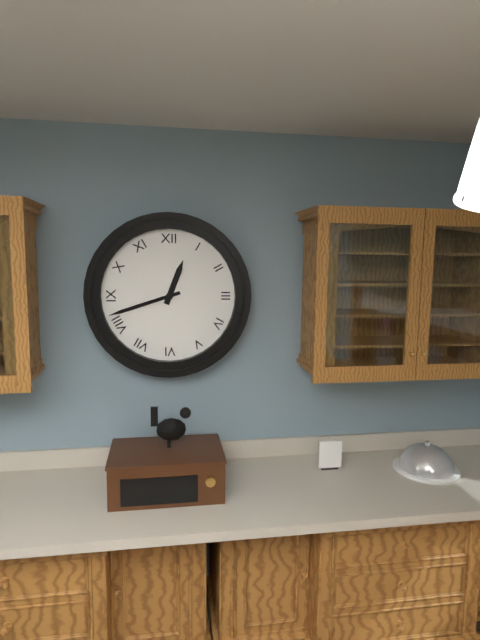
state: 12:42
